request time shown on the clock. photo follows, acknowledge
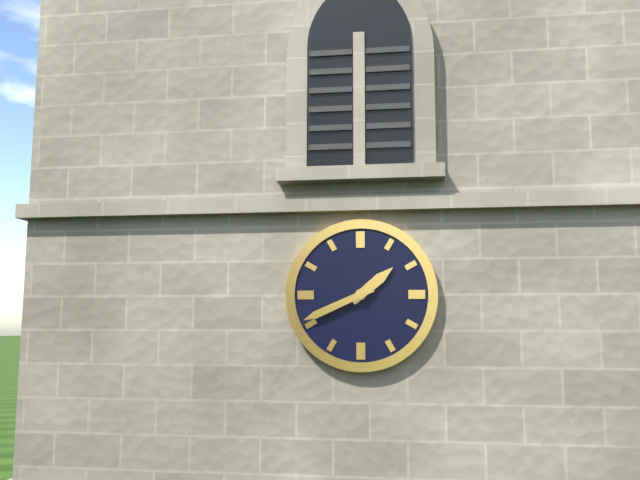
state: 1:41
